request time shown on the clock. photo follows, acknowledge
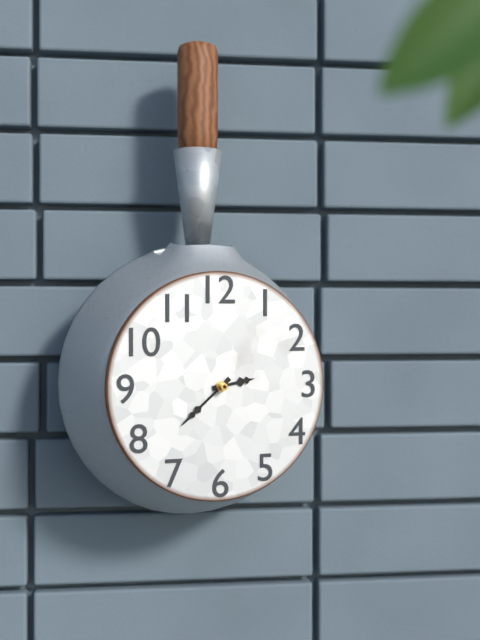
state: 2:38
